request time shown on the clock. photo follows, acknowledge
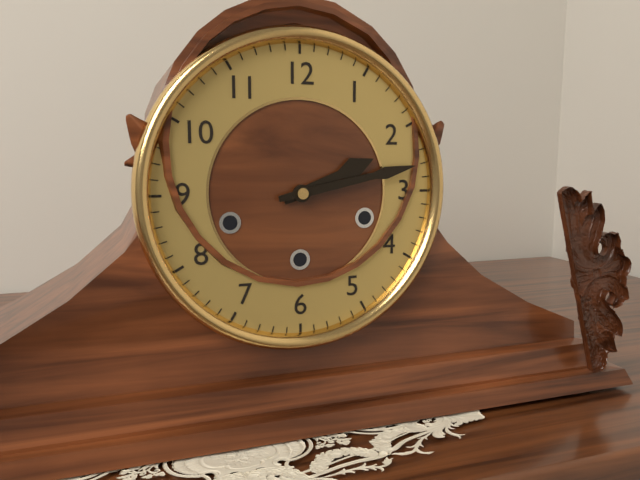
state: 2:13
